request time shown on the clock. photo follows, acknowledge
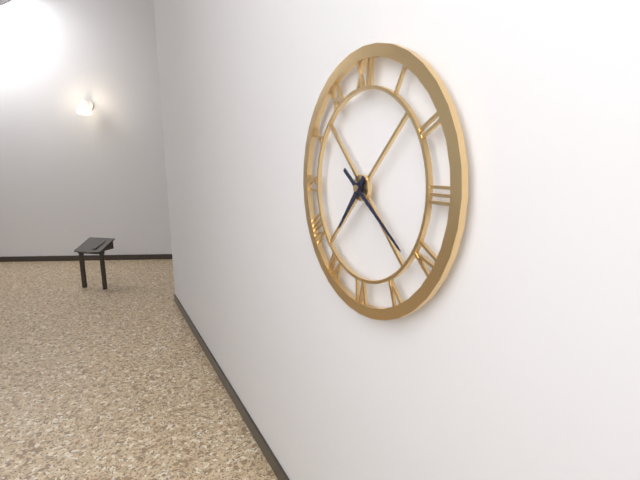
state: 7:21
